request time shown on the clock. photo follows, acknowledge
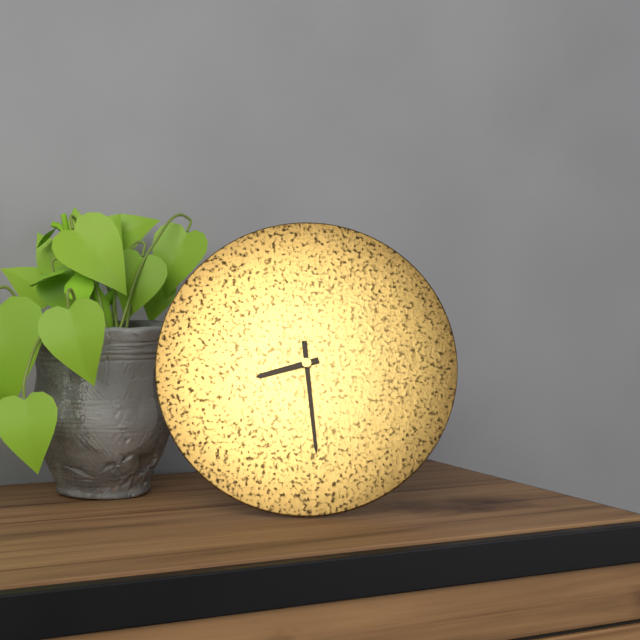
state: 8:29
